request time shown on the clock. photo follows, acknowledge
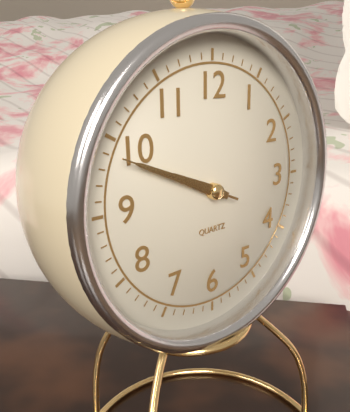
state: 9:49:49
